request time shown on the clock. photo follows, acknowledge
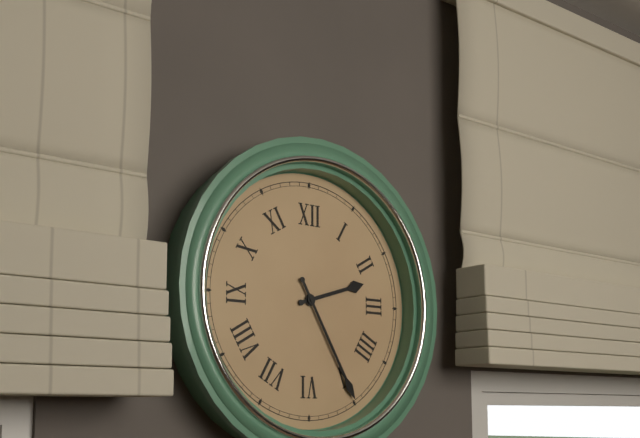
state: 2:25
